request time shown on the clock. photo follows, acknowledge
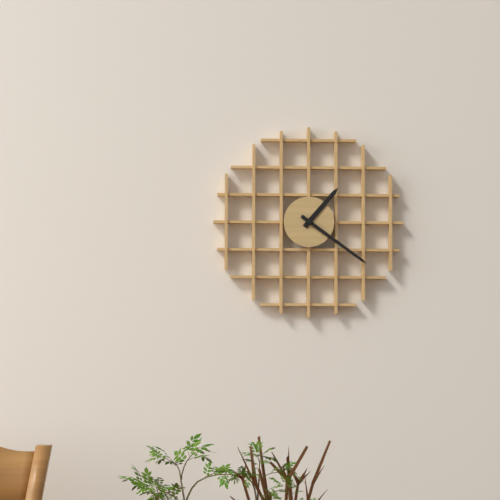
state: 1:21
